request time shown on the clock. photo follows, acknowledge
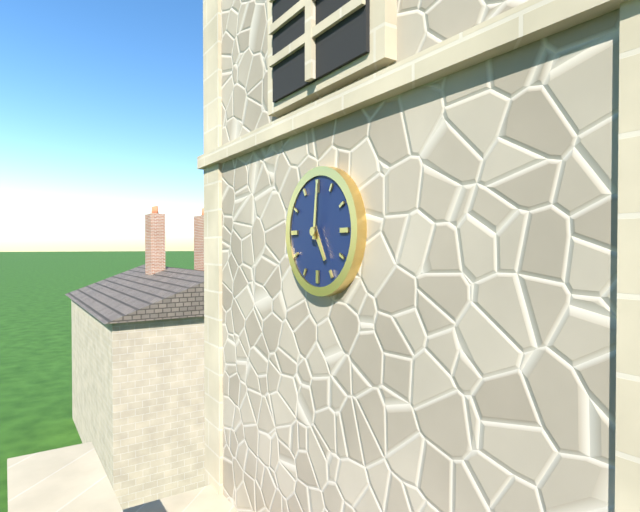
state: 5:01
